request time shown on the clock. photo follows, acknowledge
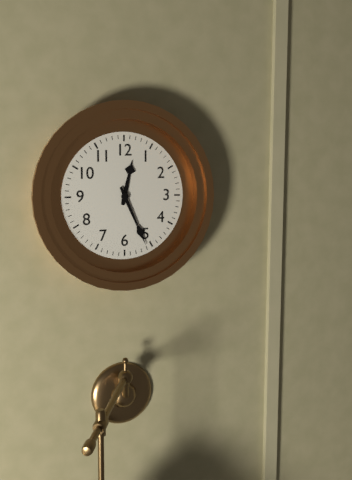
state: 12:26
